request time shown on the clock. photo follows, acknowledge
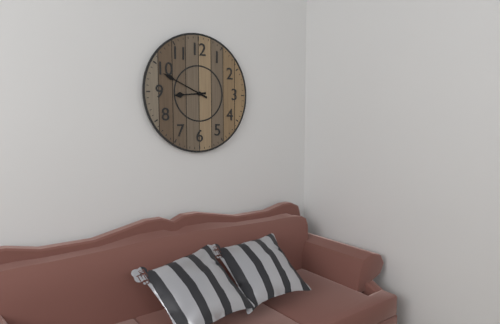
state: 8:49
